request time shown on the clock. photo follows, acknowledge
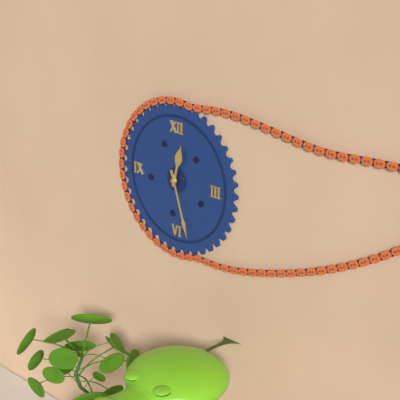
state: 12:27
